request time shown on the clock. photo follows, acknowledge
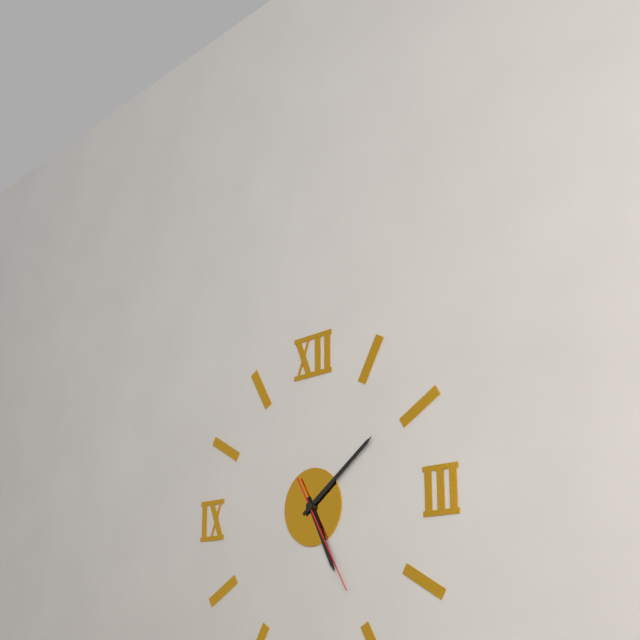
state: 5:09:25
